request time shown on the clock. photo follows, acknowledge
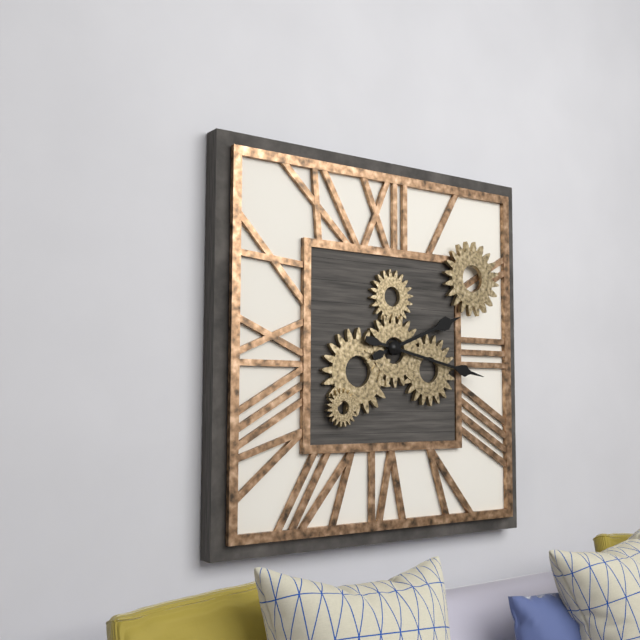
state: 2:17
